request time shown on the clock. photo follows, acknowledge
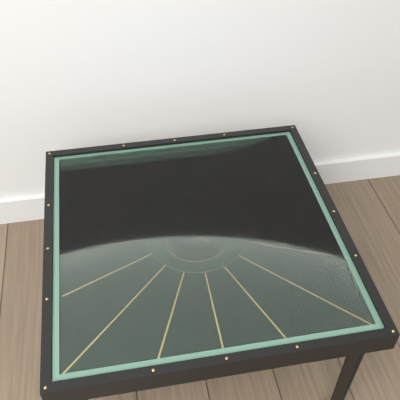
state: 4:13
